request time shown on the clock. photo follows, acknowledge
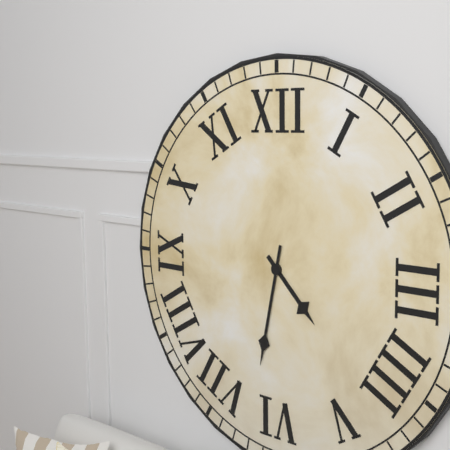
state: 4:32
